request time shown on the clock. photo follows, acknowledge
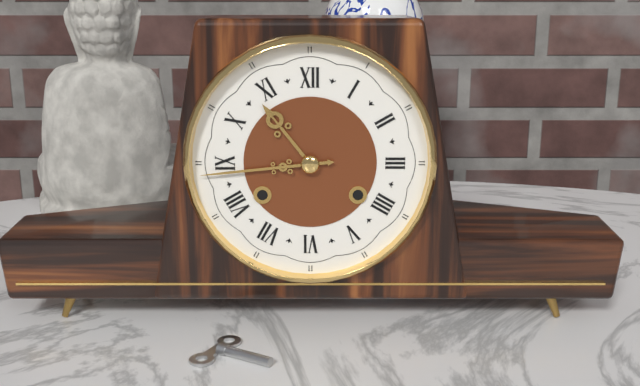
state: 10:44
